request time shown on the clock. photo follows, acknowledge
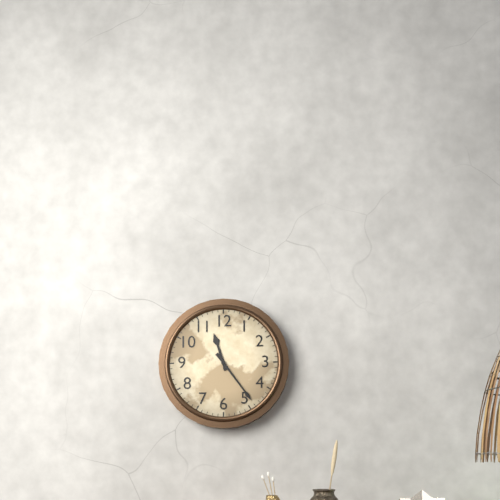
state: 11:24
